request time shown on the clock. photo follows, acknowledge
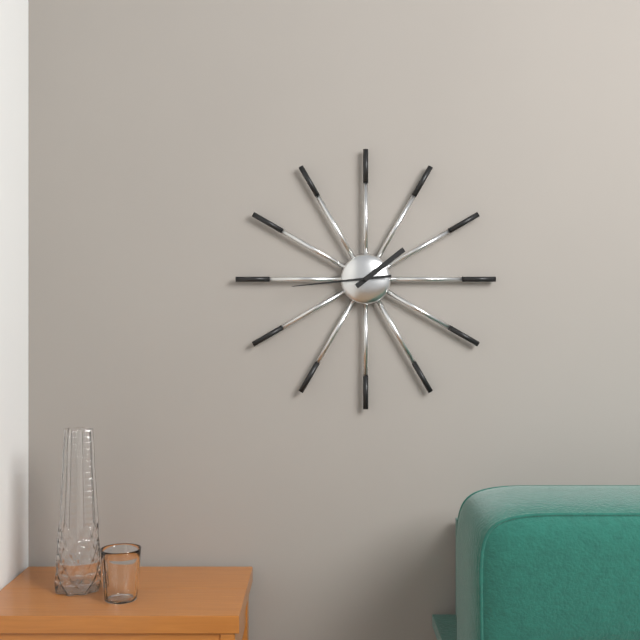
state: 1:44
